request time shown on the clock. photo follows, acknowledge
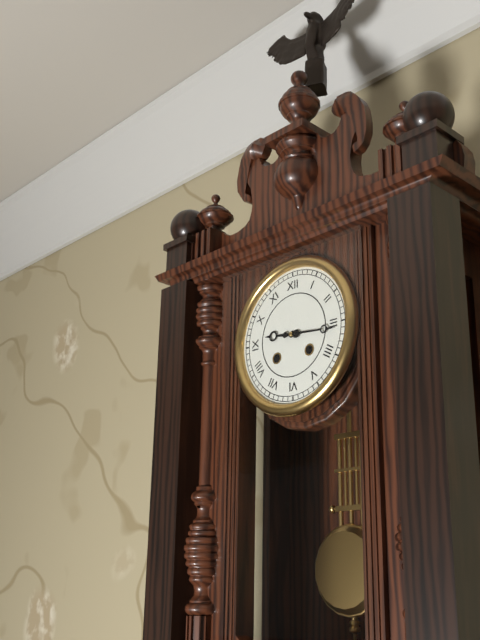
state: 9:16
